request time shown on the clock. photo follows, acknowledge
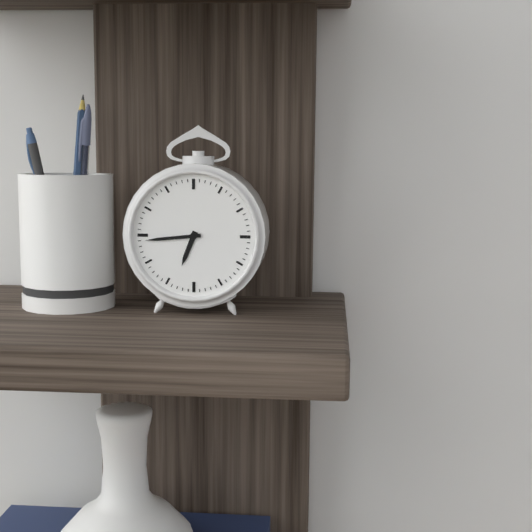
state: 6:44
